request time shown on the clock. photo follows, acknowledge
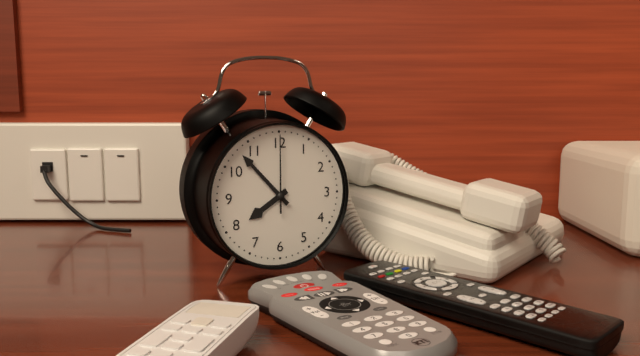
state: 7:53:00
